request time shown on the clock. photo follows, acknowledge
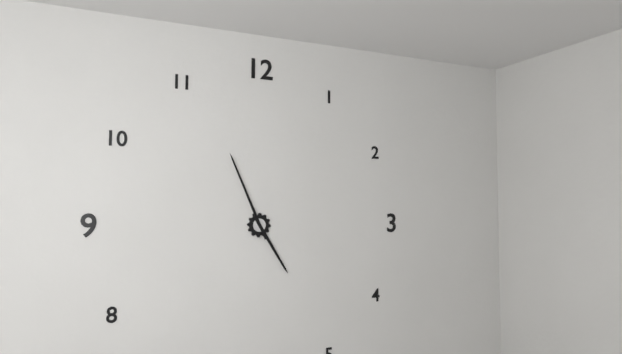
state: 4:56
